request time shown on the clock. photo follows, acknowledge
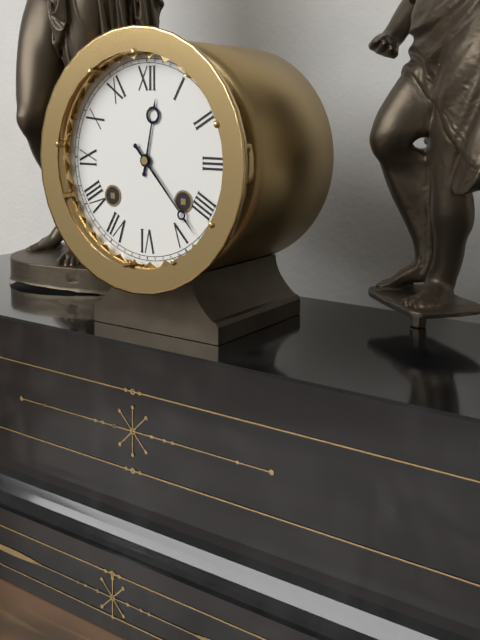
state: 12:23
